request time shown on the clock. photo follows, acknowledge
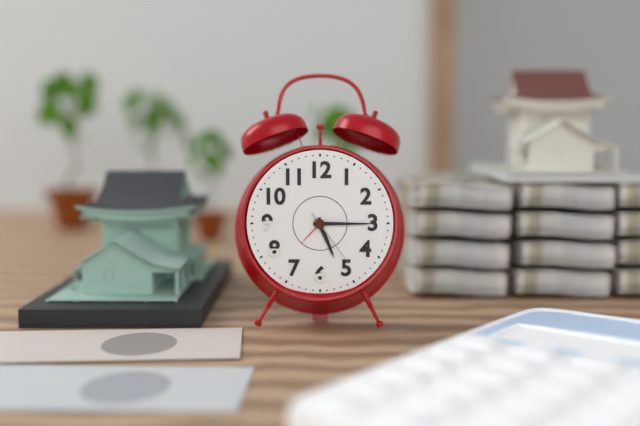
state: 5:15:24
